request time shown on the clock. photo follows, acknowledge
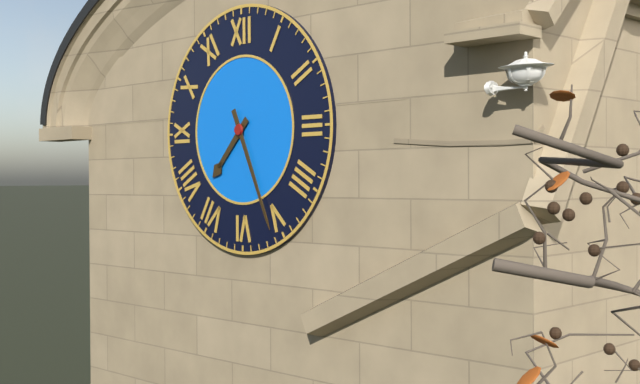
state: 7:26
